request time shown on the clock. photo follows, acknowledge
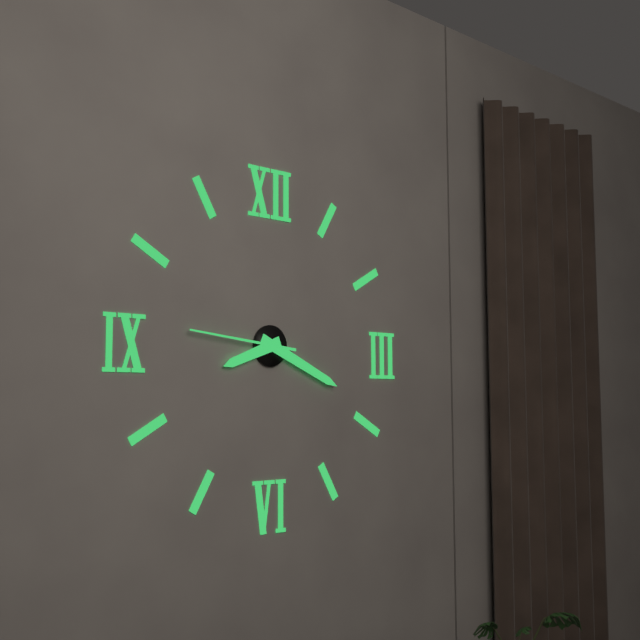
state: 8:19:46
